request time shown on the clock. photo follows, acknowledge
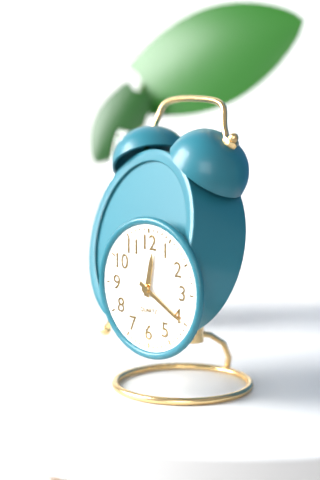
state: 12:20
